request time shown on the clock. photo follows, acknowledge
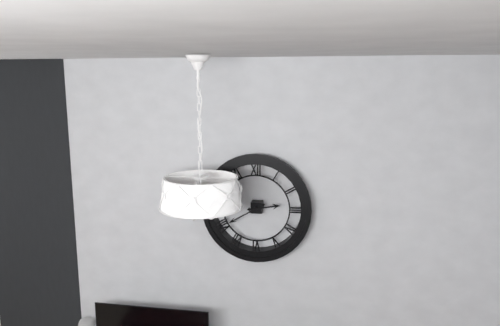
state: 2:40
